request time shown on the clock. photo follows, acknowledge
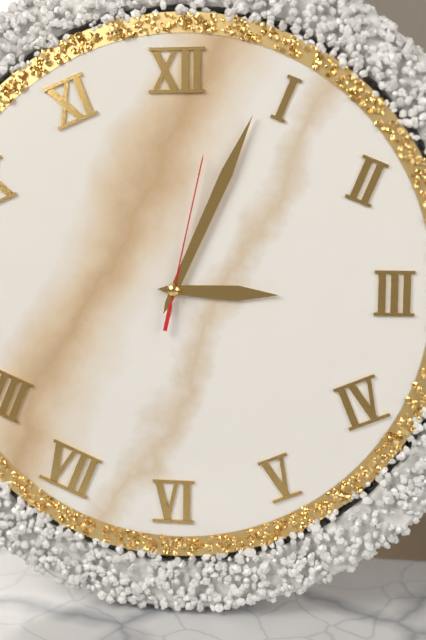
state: 3:04:02
